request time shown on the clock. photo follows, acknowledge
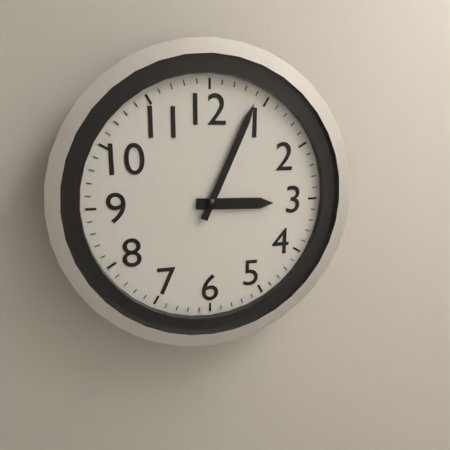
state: 3:04
